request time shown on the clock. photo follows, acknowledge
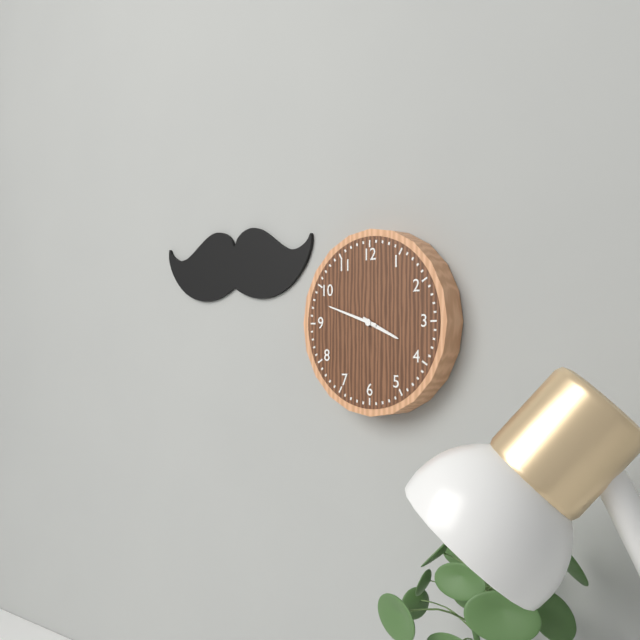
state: 3:48
